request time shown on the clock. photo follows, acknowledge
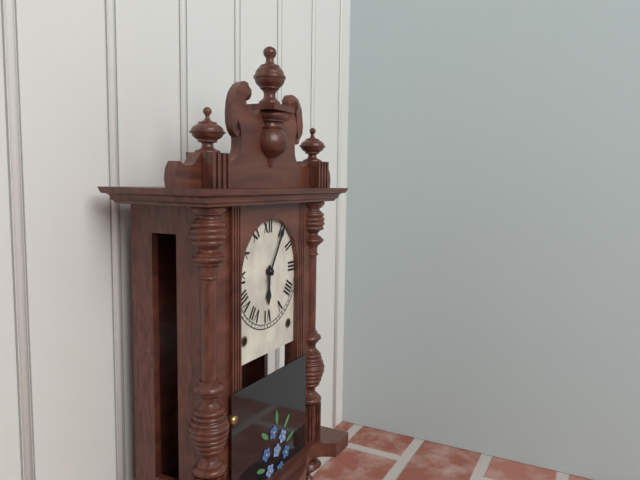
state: 6:05
